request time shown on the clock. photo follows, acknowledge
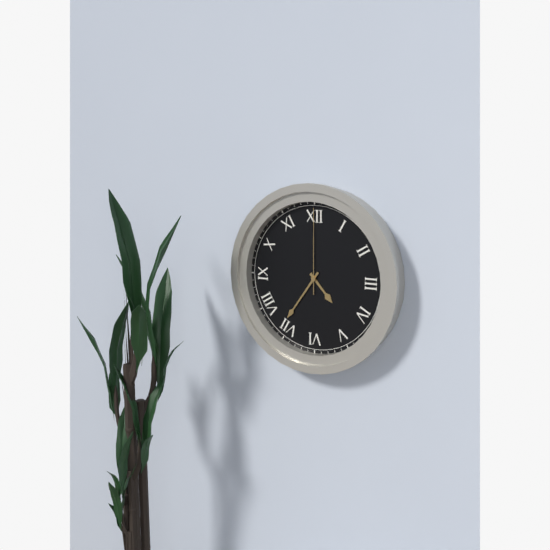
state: 4:36:00
